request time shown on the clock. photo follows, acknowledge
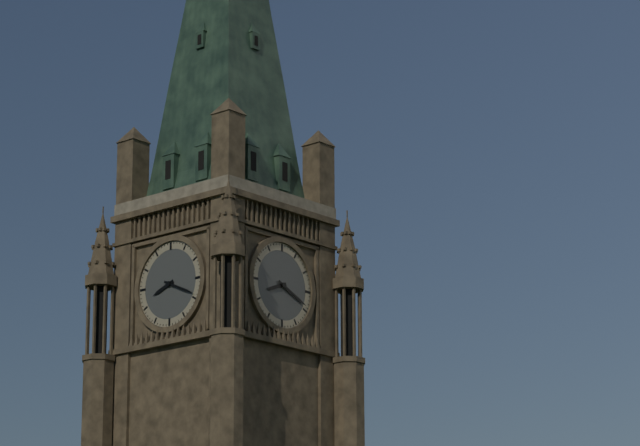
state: 8:19
